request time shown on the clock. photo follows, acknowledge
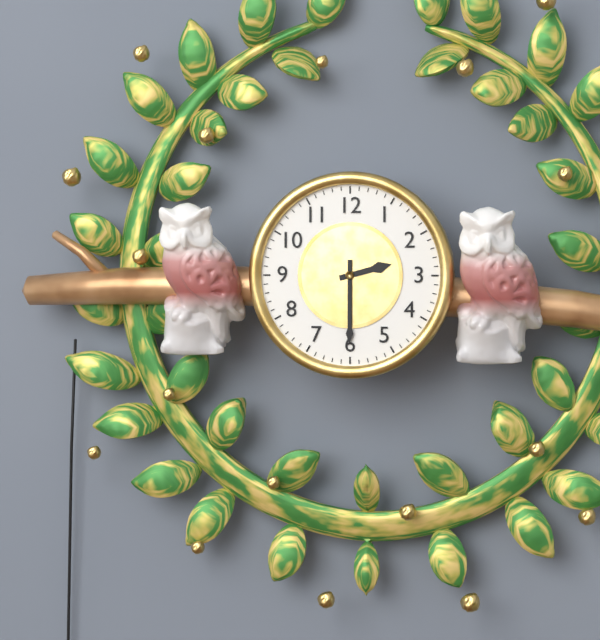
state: 2:30
